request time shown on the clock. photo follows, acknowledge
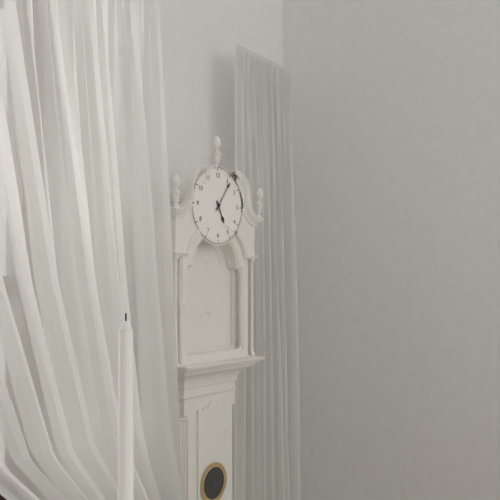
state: 5:06
